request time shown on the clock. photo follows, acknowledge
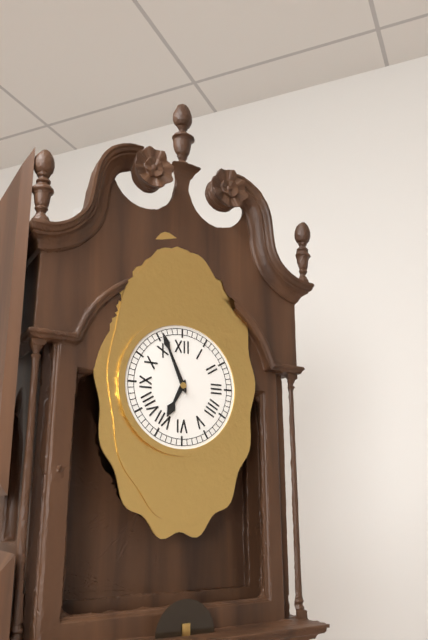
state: 6:56
